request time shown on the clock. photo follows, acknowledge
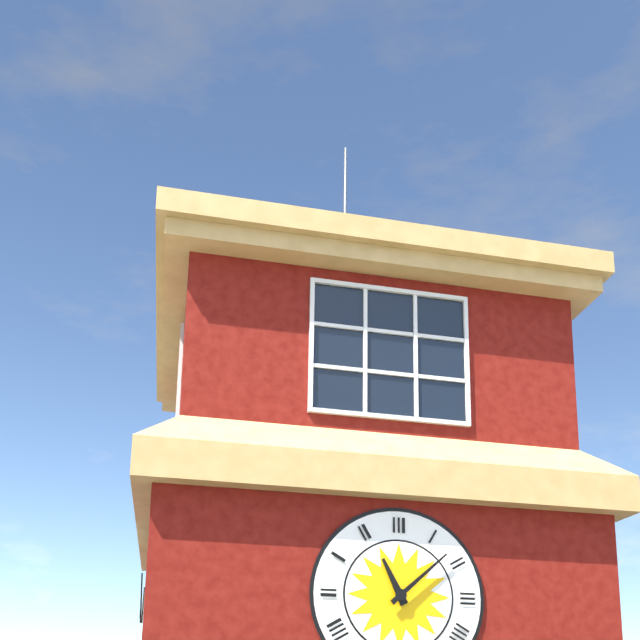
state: 11:08
